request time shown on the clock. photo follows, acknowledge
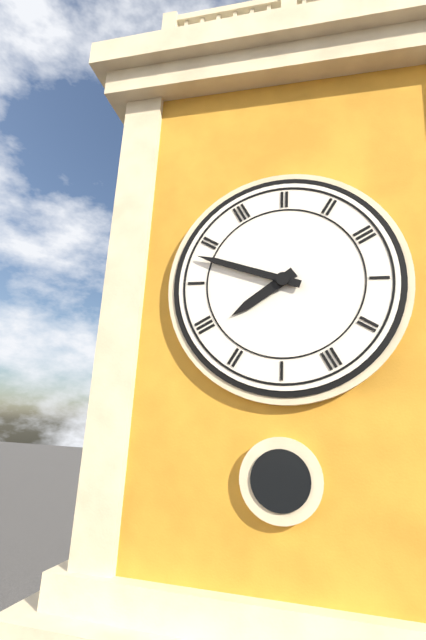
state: 7:48
